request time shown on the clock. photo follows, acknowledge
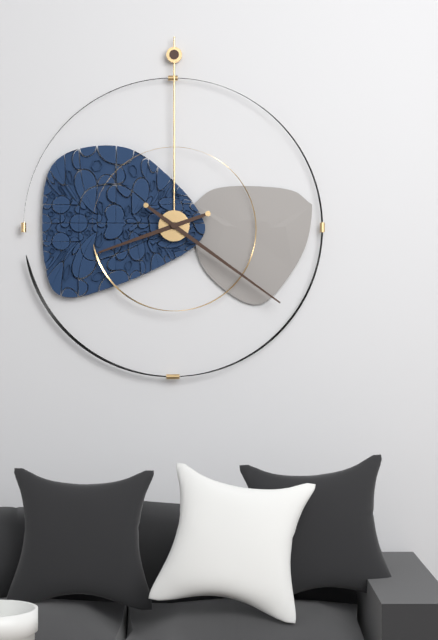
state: 8:21
